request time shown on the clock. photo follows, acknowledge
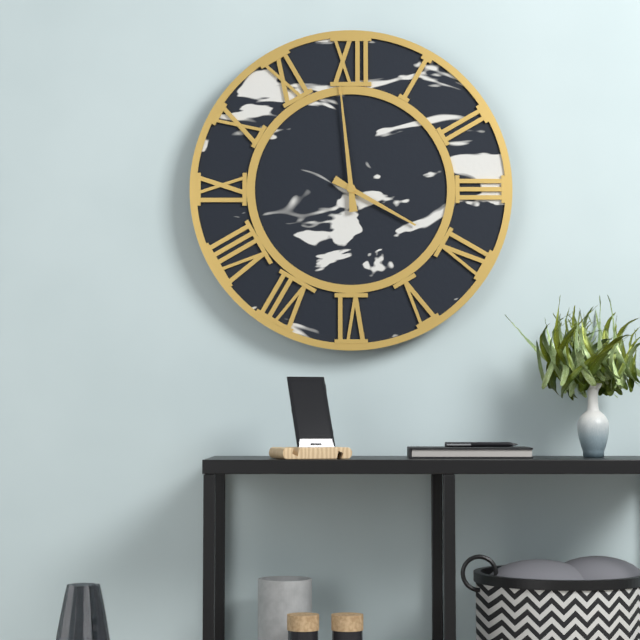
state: 3:59
